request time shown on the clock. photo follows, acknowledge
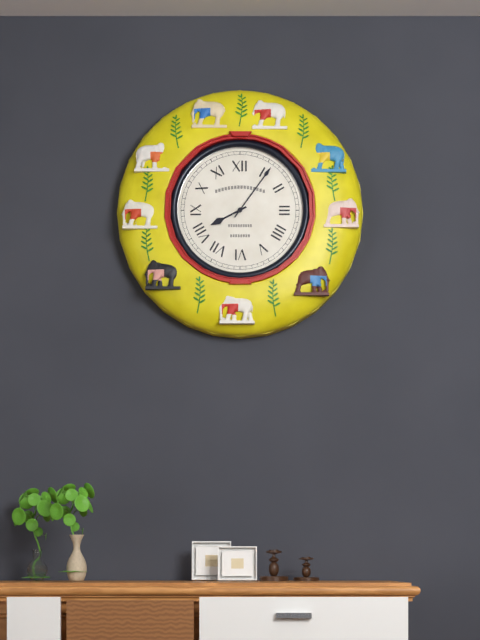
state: 8:06
